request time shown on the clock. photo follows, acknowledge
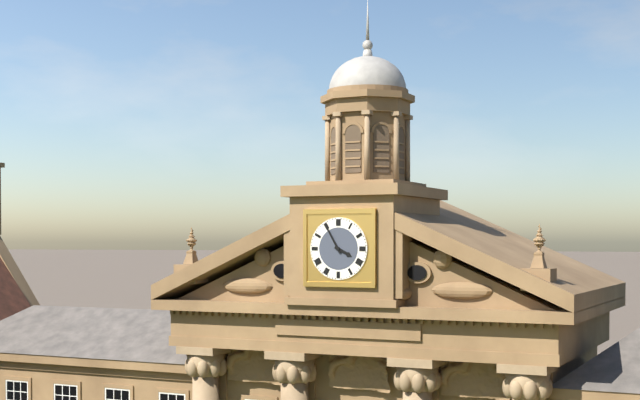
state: 3:55
